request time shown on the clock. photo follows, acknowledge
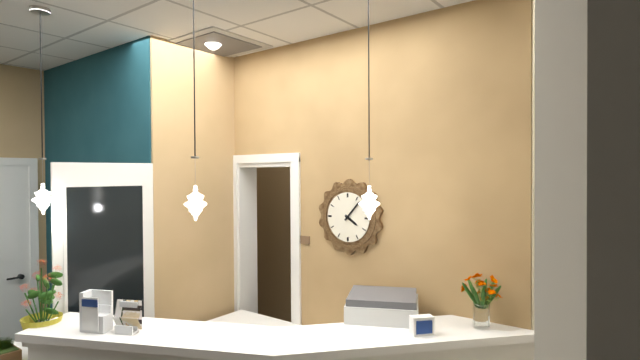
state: 4:07
